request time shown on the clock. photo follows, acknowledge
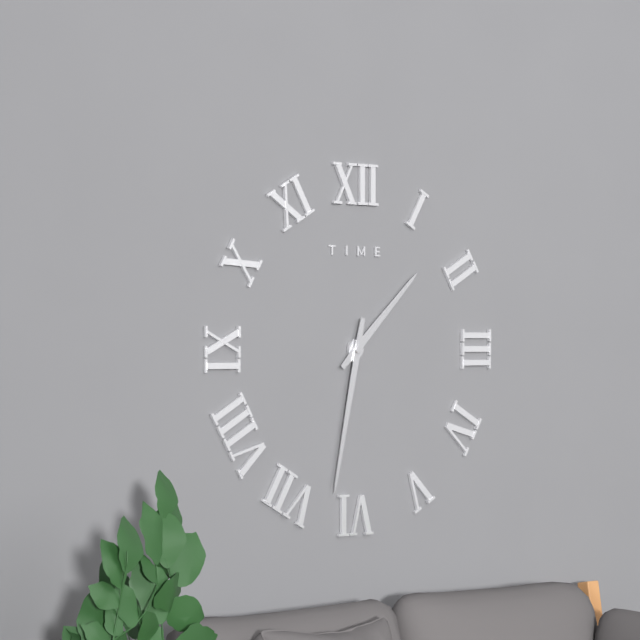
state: 1:32
